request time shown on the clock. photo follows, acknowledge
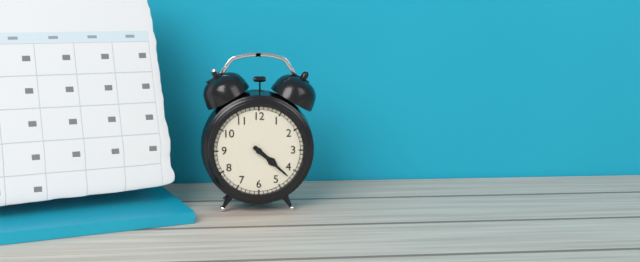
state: 4:22
